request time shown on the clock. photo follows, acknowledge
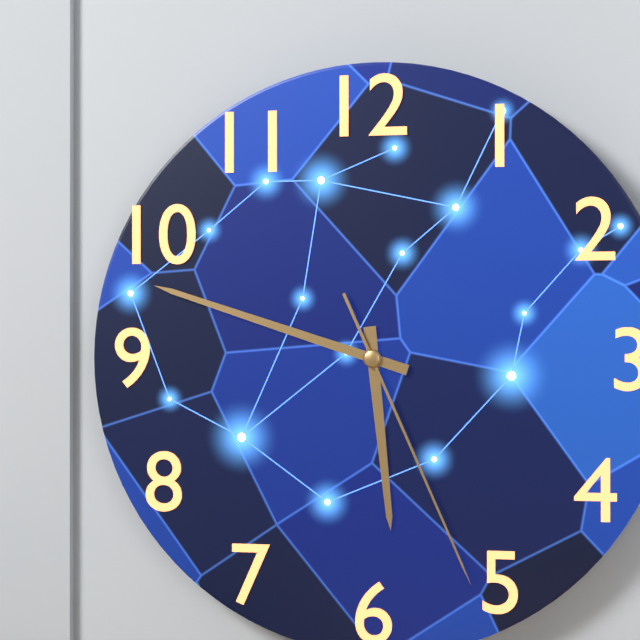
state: 5:48:26
